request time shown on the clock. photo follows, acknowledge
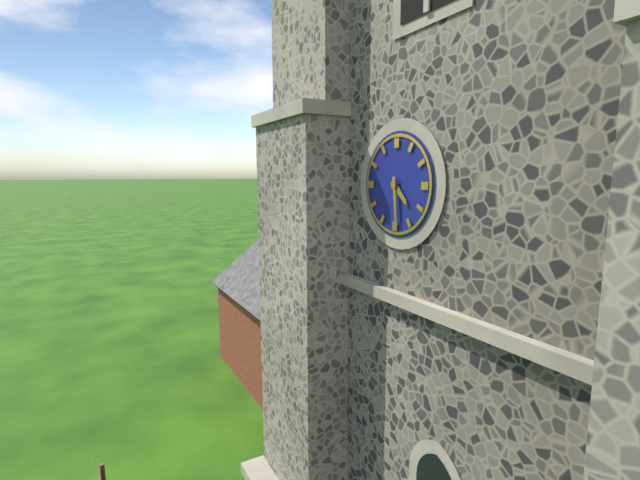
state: 4:29
